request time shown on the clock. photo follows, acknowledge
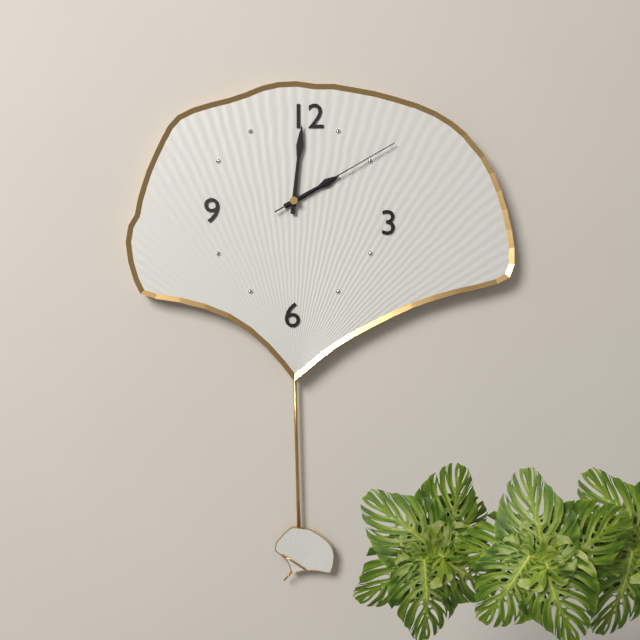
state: 2:01:10
